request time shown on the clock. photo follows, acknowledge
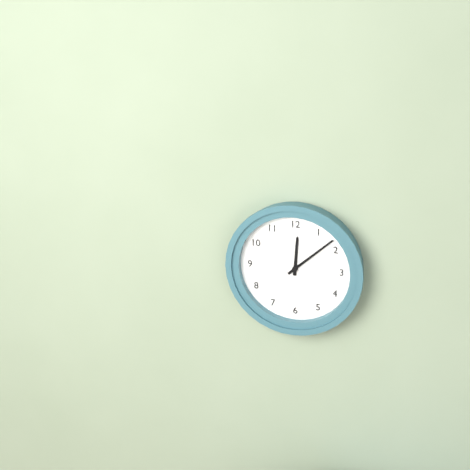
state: 12:08
